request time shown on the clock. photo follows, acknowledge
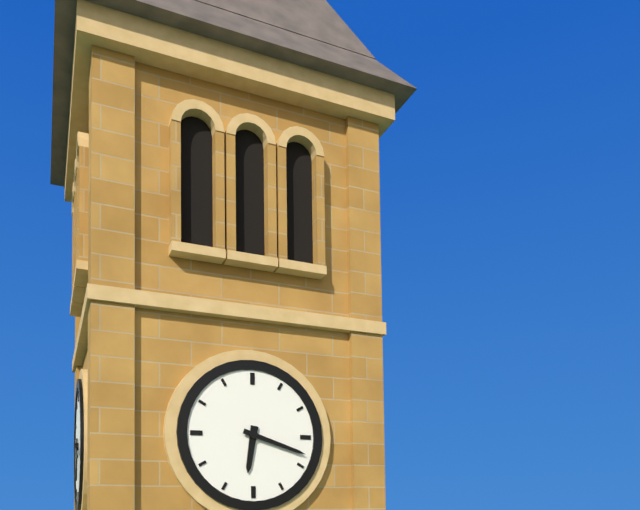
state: 6:18
